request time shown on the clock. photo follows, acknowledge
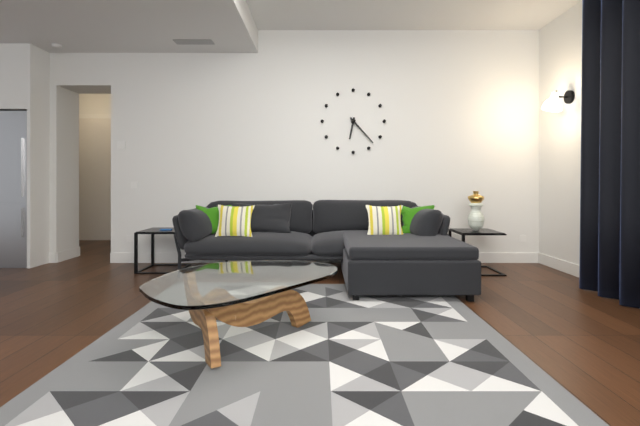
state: 6:23
